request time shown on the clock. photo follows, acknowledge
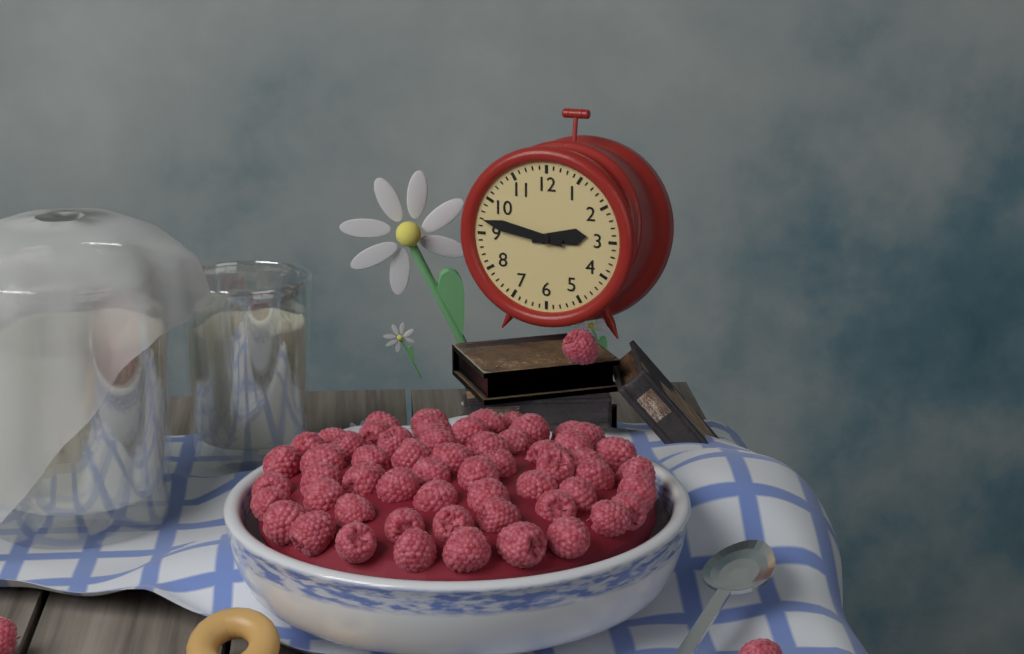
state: 2:47
